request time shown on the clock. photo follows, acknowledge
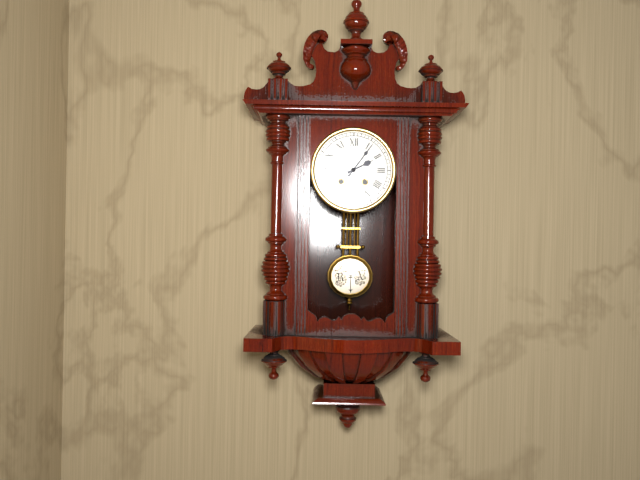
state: 2:06
